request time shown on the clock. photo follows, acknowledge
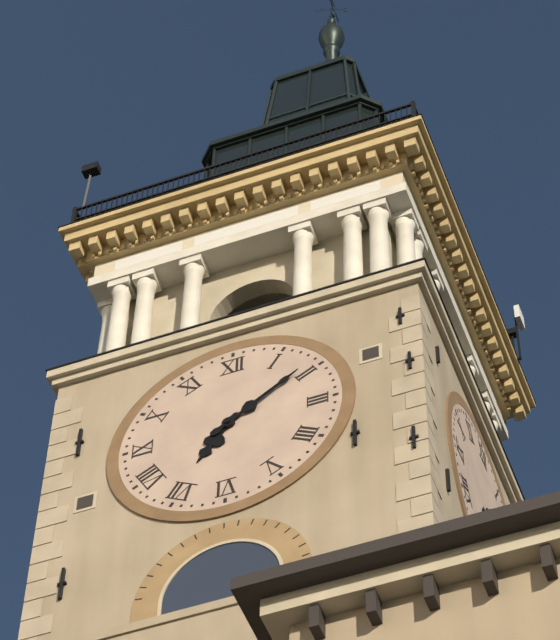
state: 7:09
